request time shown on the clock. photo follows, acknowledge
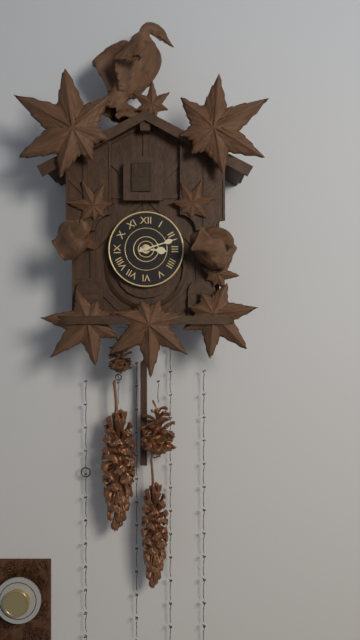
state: 3:12
